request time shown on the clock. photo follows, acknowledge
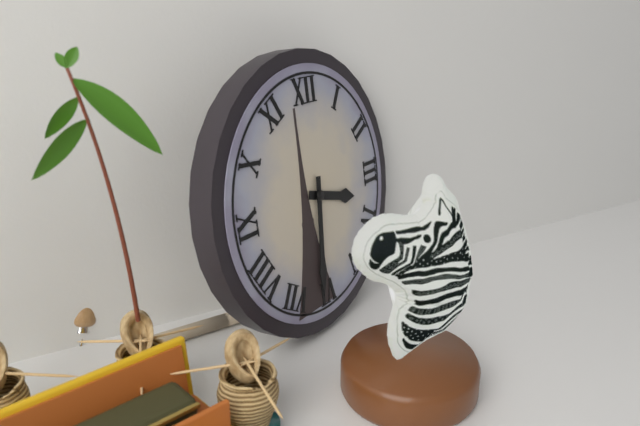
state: 3:31
